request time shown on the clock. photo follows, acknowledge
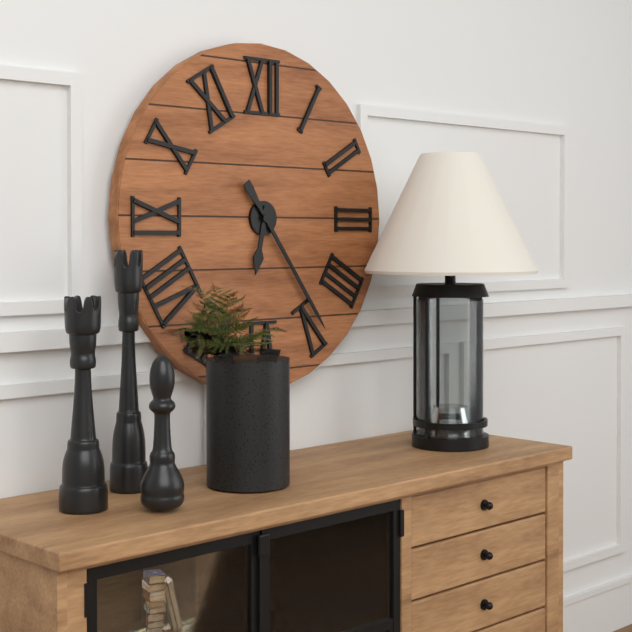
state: 6:24
